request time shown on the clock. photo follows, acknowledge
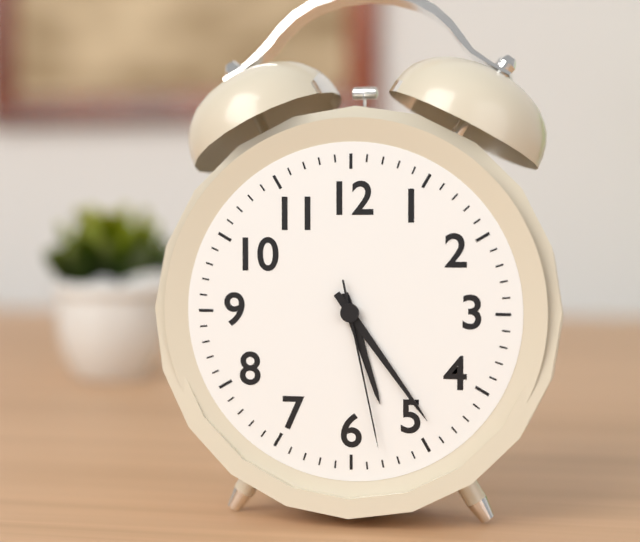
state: 5:24:28
